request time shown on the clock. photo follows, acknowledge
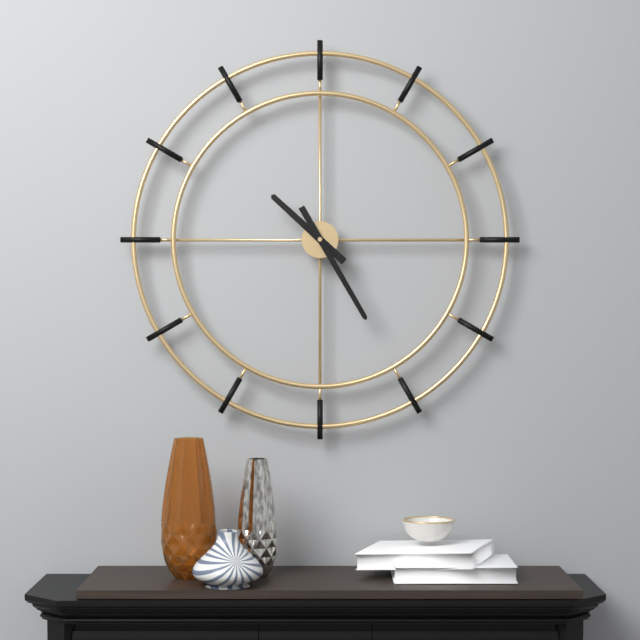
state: 10:25
